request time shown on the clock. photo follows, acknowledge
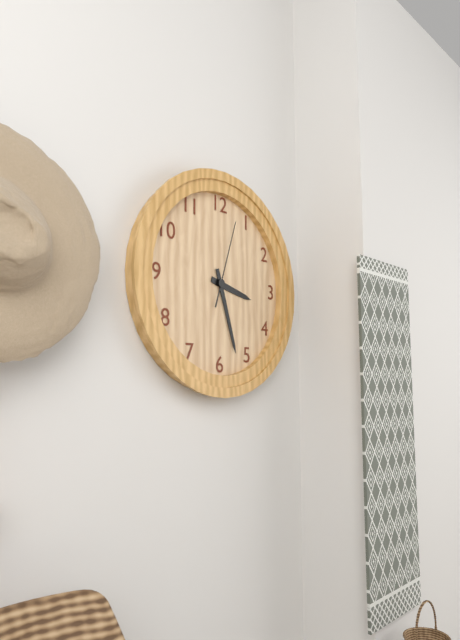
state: 3:27:03
